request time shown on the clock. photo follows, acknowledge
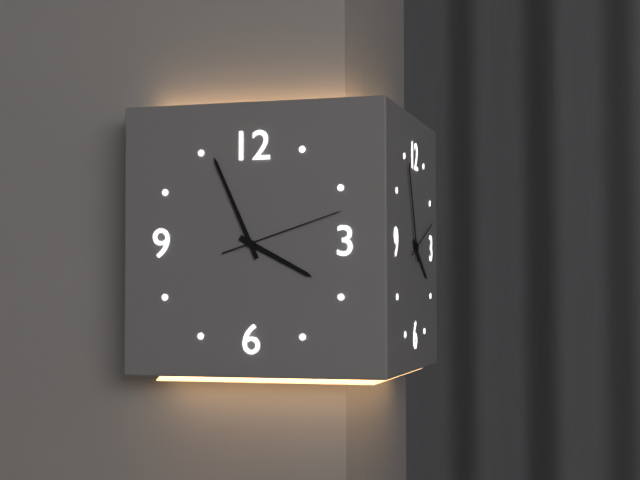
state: 3:56:12
